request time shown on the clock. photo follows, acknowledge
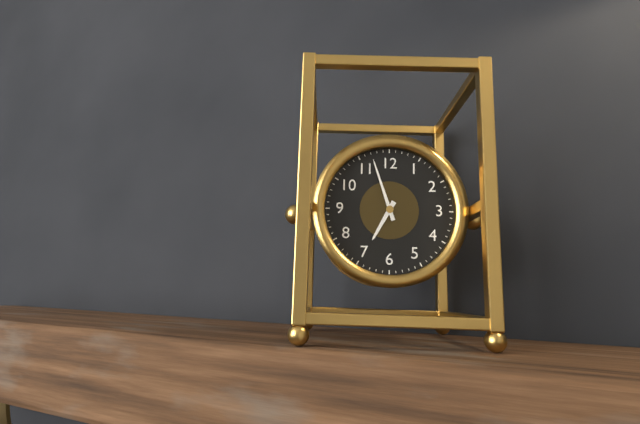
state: 6:57
